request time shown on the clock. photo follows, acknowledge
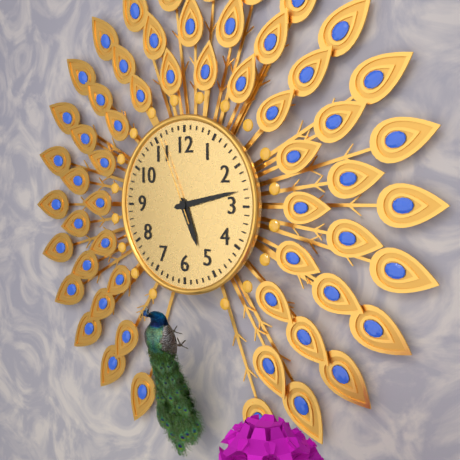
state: 5:13:56
